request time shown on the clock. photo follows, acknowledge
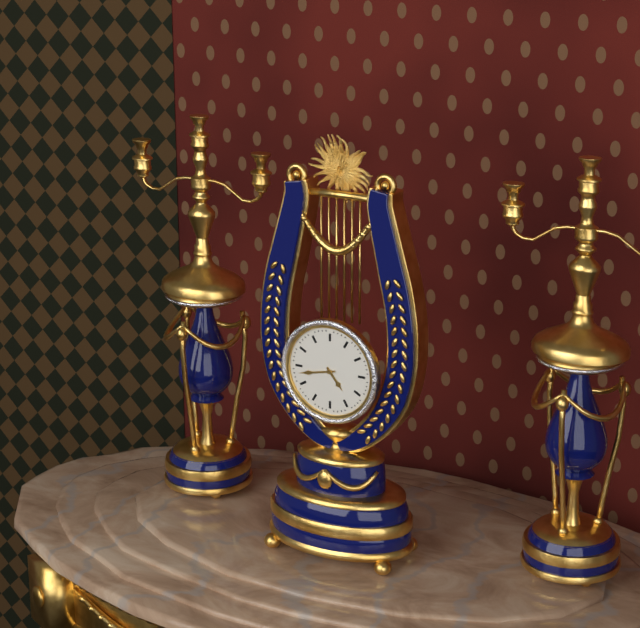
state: 4:43
